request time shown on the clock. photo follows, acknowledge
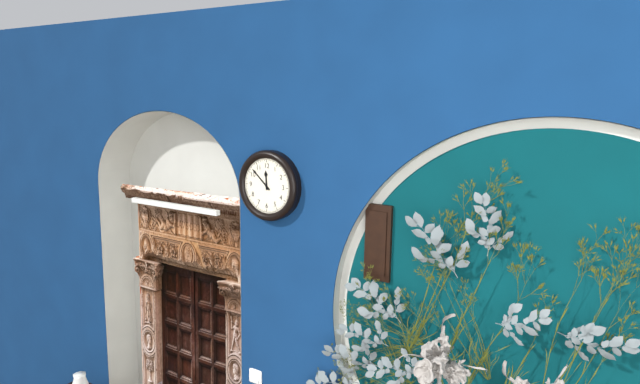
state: 11:52
